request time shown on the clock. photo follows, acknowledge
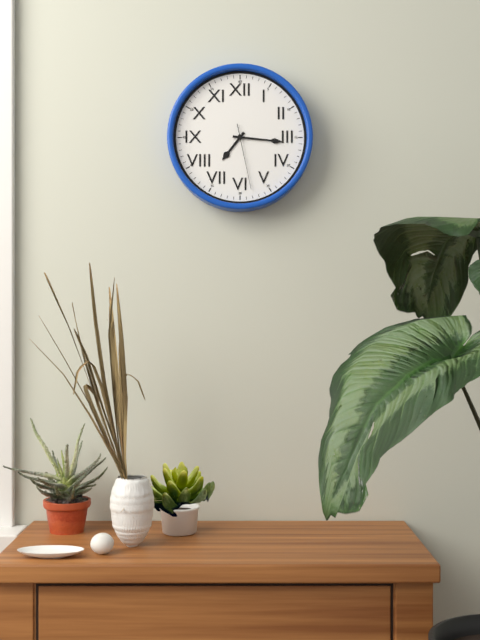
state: 7:16:28
